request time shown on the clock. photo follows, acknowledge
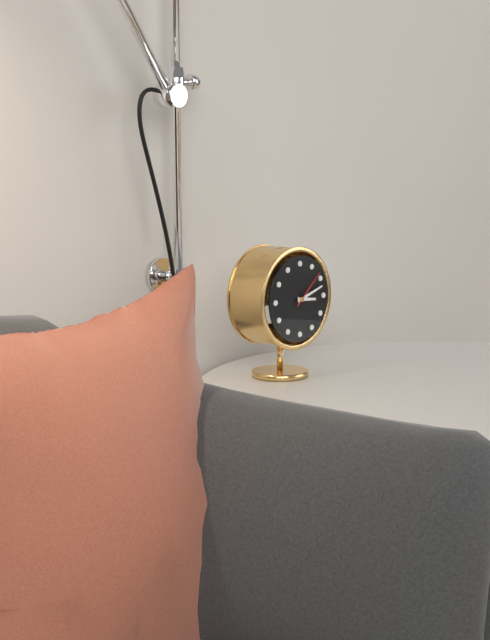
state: 3:12
